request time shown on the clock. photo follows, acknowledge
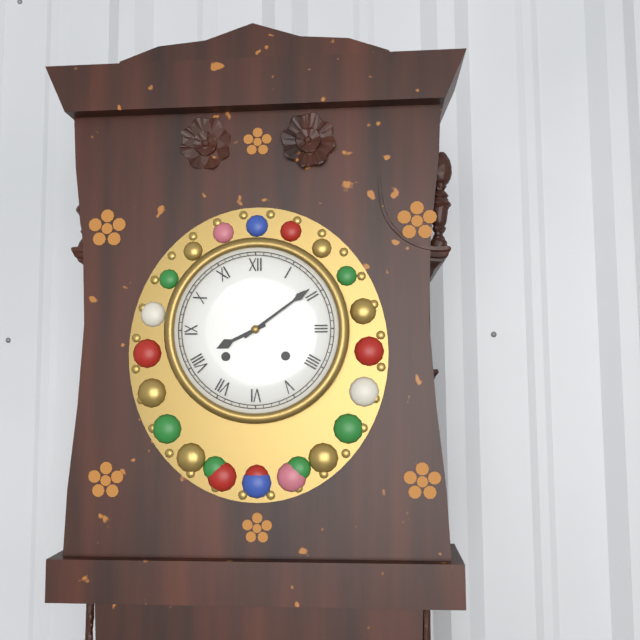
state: 8:09
